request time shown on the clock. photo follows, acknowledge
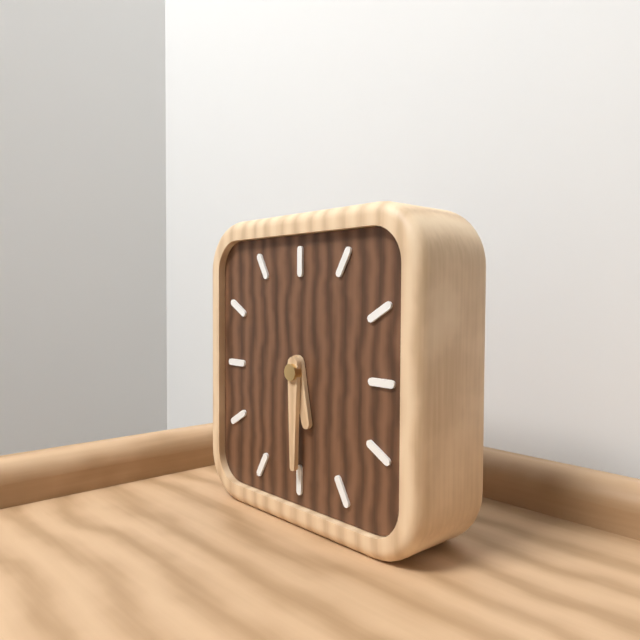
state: 5:30
